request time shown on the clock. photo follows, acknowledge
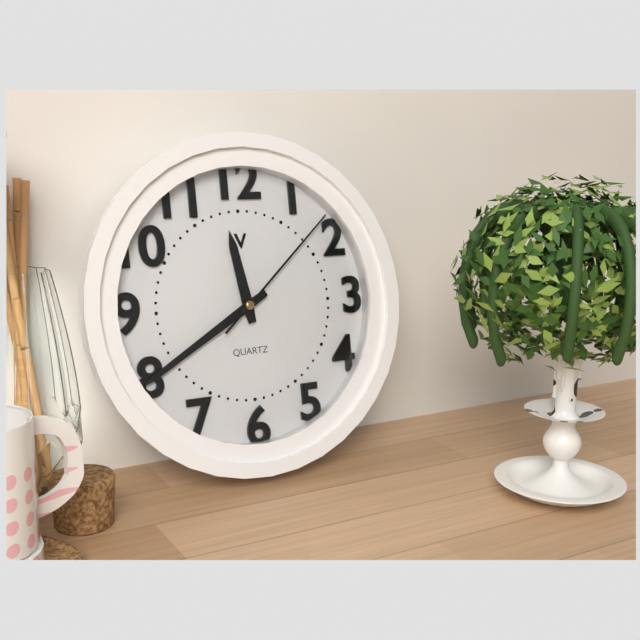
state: 11:40:08
